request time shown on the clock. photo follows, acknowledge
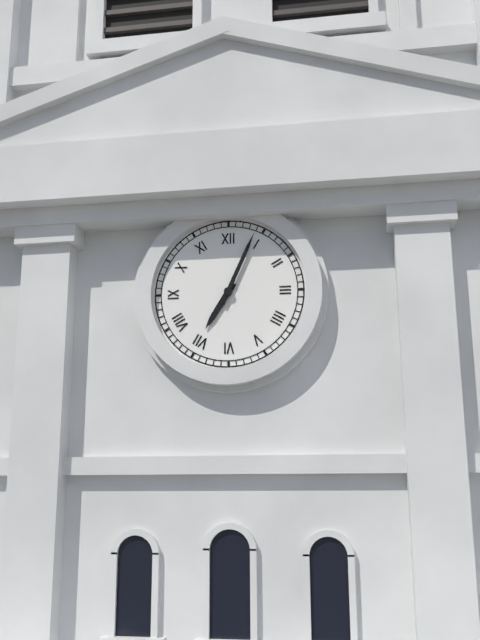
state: 7:04
